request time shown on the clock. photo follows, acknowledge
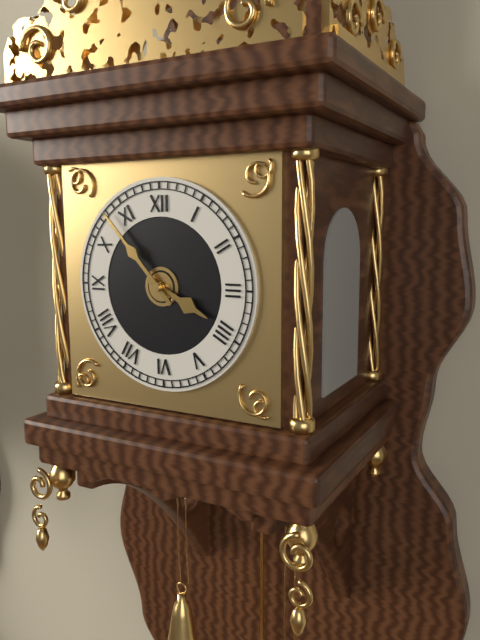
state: 3:53
